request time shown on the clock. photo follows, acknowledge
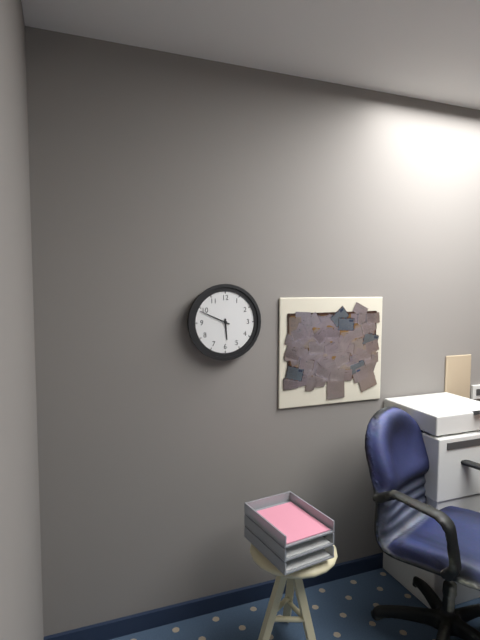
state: 5:49
